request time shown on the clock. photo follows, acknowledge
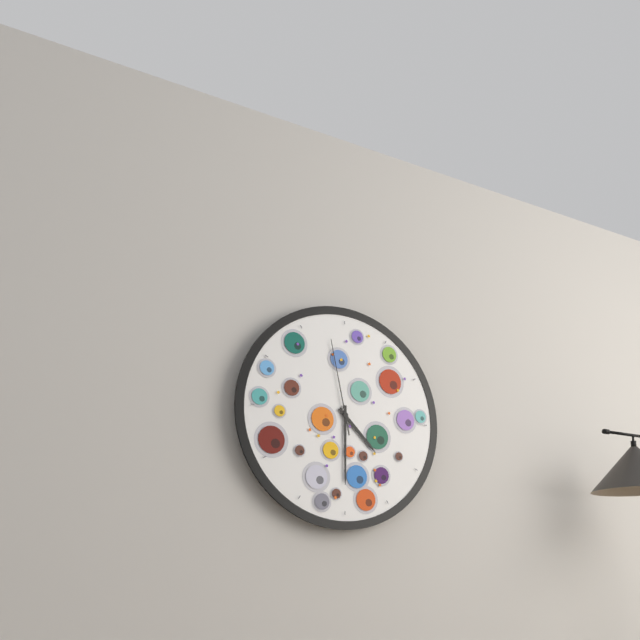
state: 4:30:58
